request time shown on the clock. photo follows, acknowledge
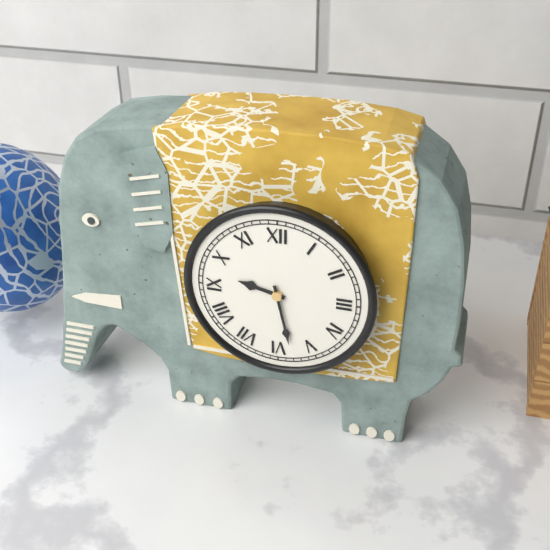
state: 9:28
